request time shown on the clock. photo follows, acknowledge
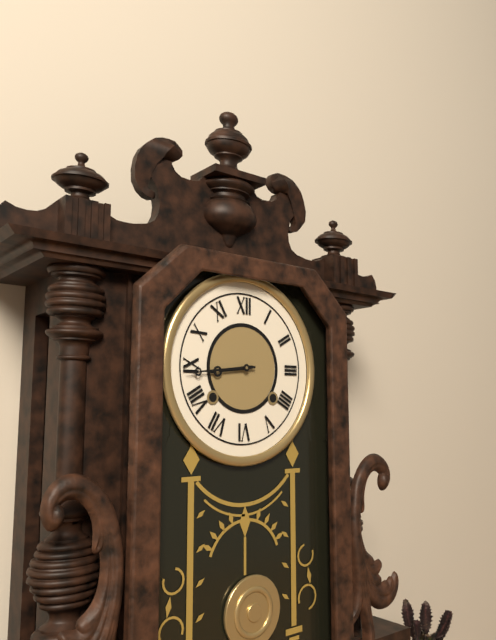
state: 8:44
